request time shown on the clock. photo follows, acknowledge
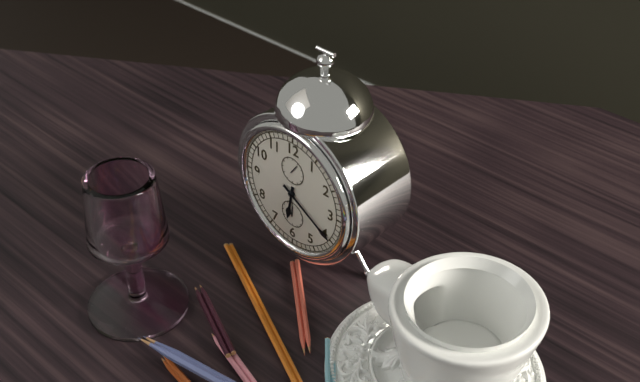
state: 6:20
